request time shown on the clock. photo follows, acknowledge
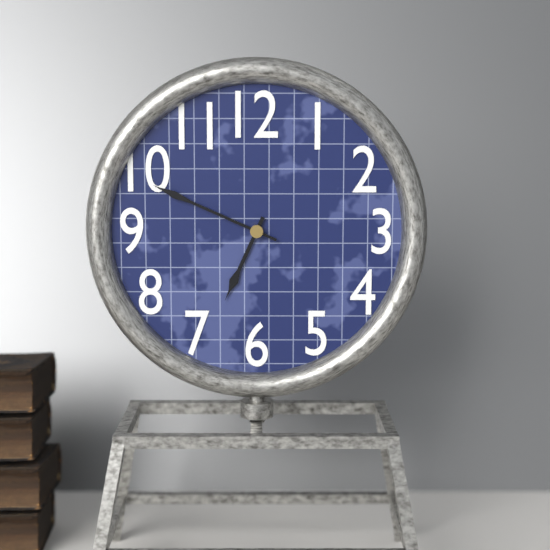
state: 6:49
